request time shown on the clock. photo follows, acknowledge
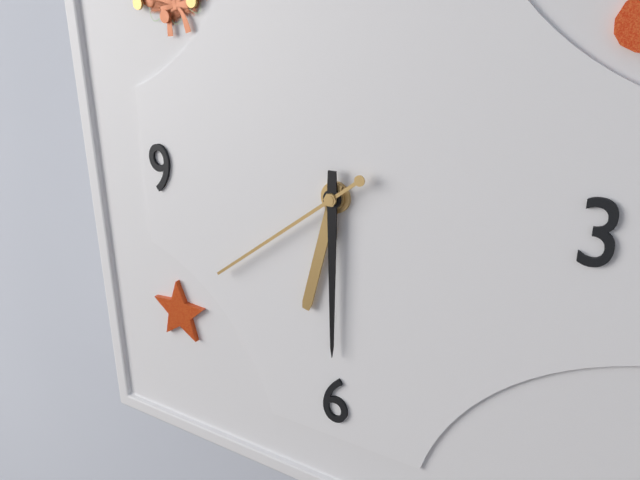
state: 6:30:39
